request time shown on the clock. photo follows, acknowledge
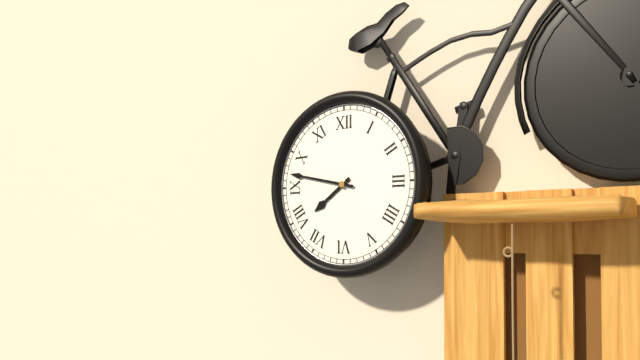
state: 7:47
